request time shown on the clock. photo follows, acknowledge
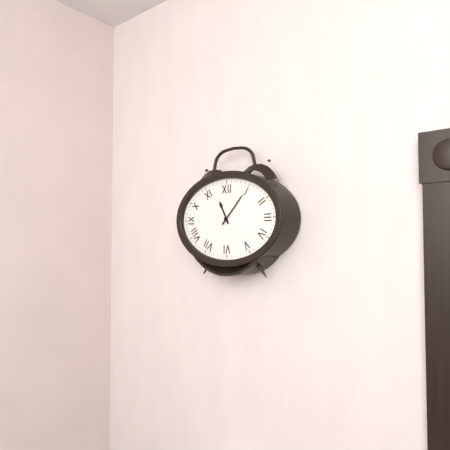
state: 11:07
